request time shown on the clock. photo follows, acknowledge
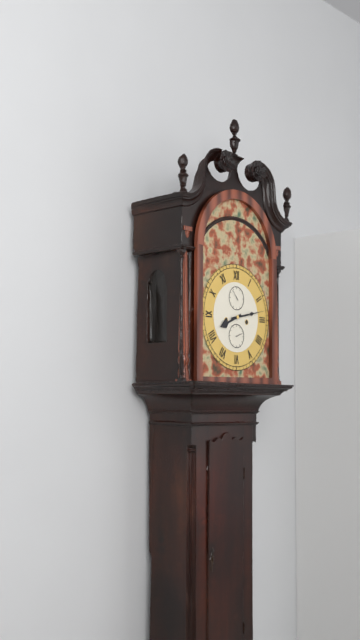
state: 8:13
